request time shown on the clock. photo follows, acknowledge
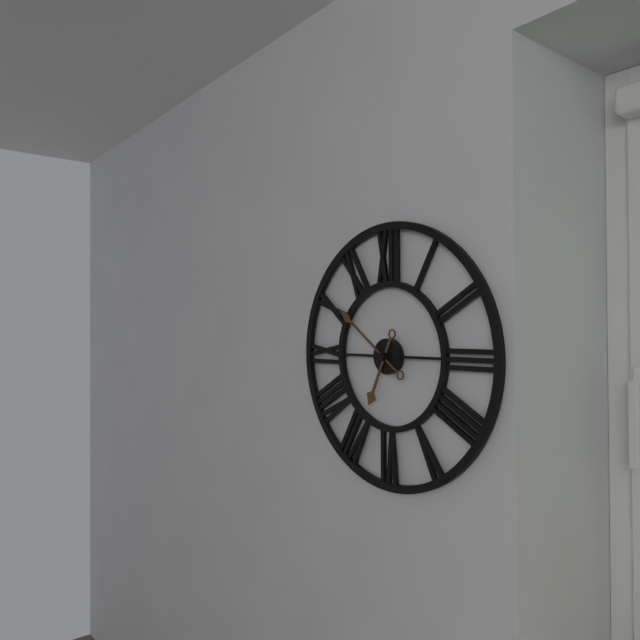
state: 6:51
